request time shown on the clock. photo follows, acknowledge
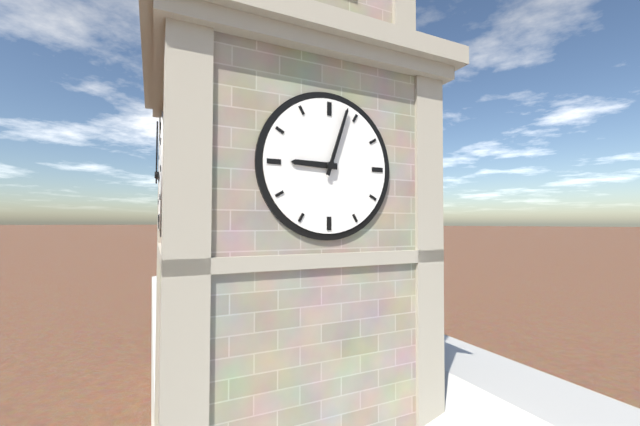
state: 9:03
